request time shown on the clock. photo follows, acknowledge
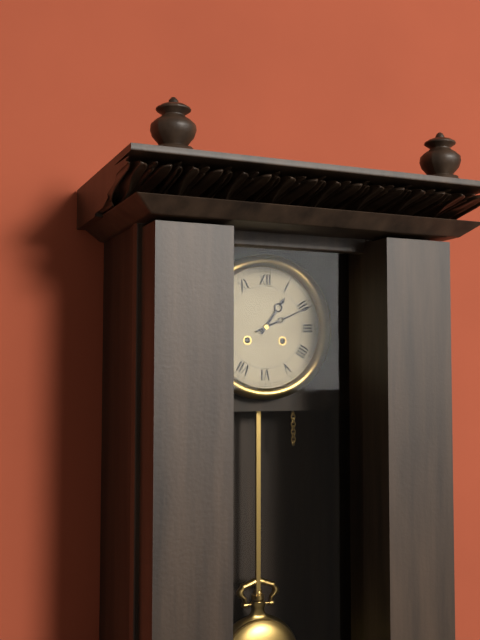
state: 1:11
